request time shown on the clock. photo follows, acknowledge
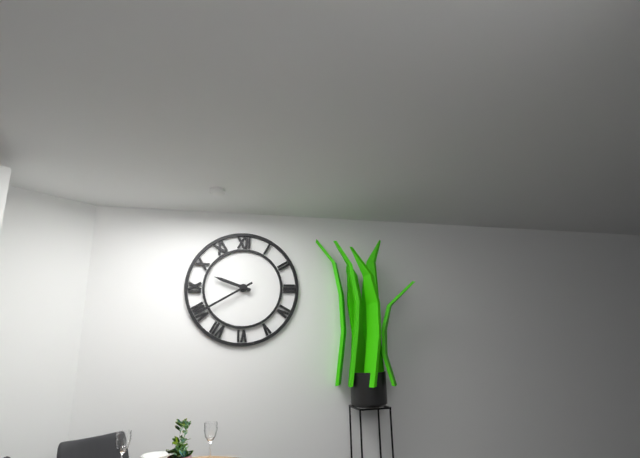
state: 9:40
